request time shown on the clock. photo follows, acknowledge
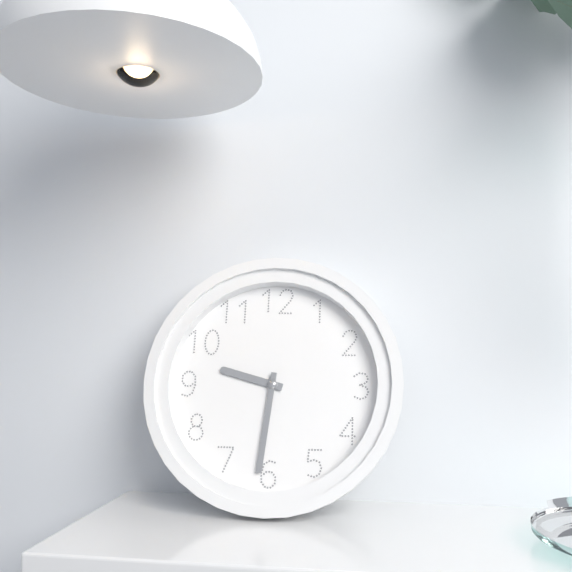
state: 9:31
